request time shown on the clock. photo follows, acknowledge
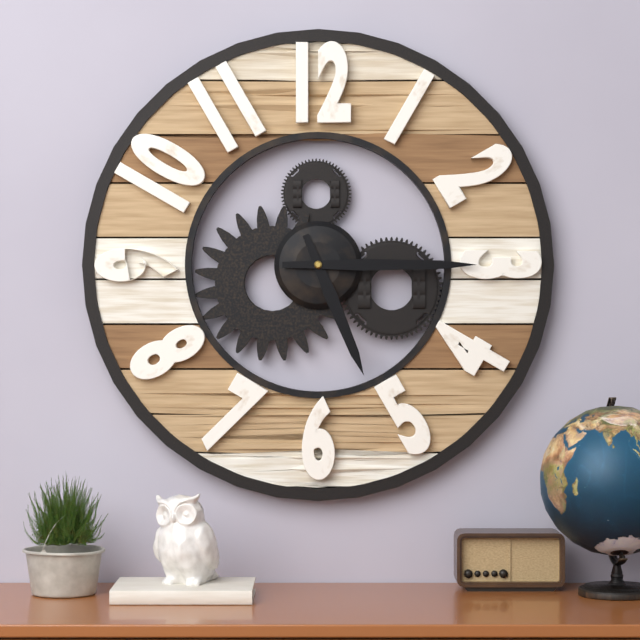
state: 5:15
